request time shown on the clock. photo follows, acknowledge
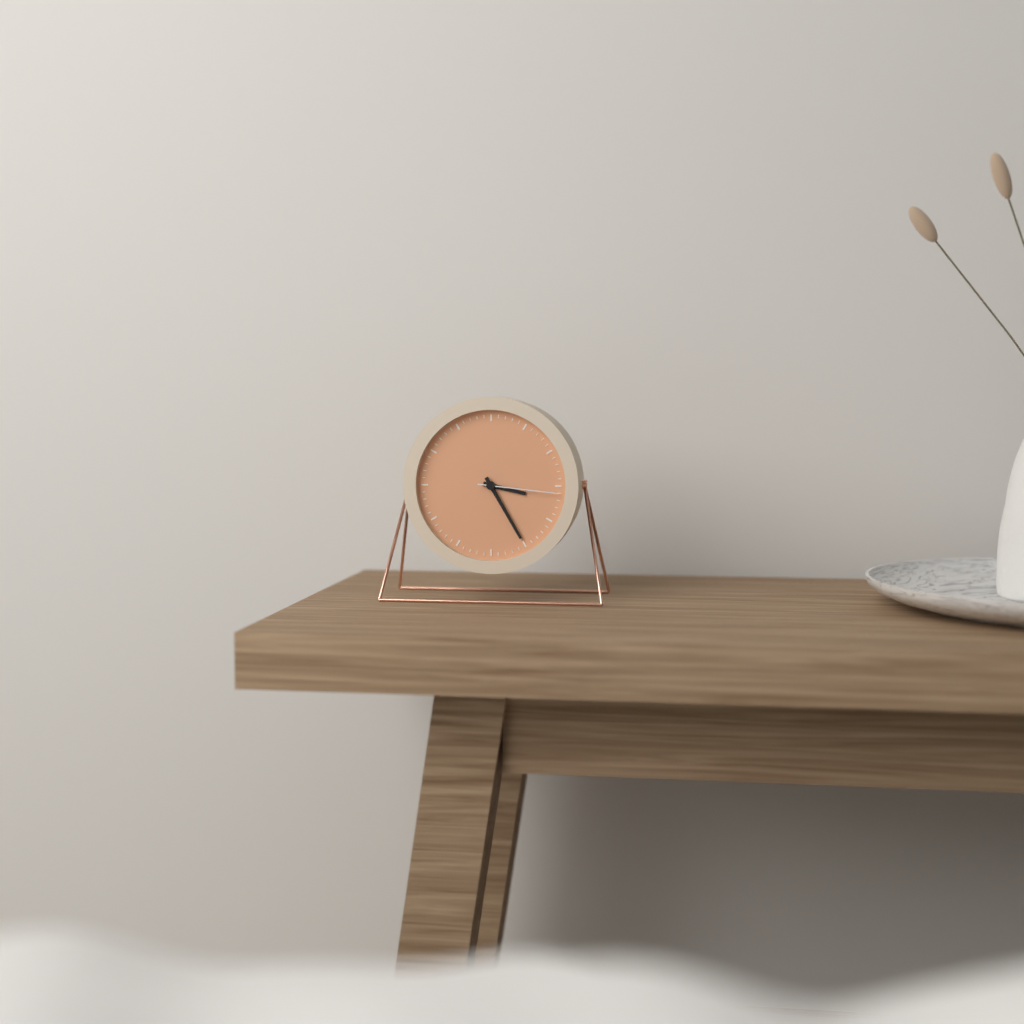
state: 3:25:16
